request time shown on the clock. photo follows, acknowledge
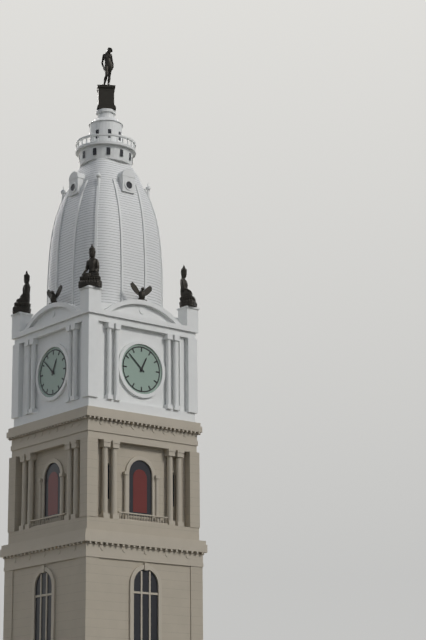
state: 12:52
